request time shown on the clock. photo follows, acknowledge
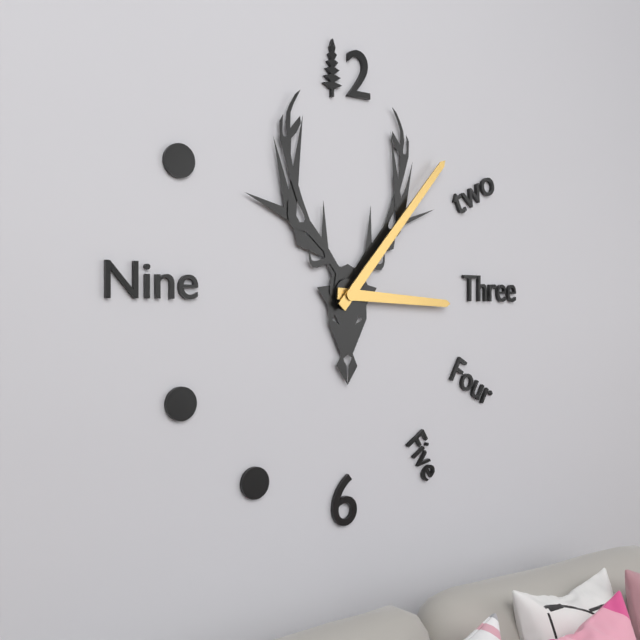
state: 3:07
